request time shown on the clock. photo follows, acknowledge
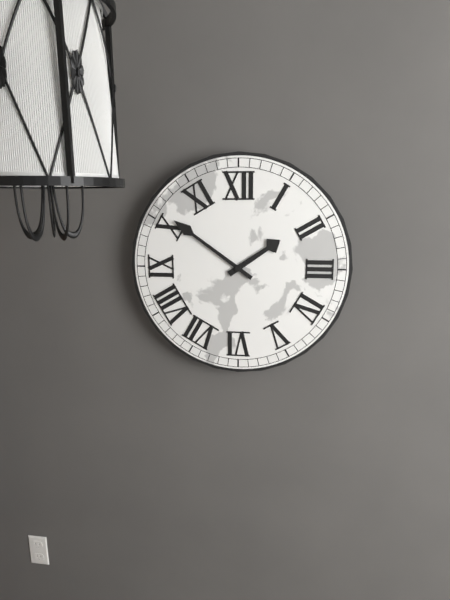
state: 1:51
